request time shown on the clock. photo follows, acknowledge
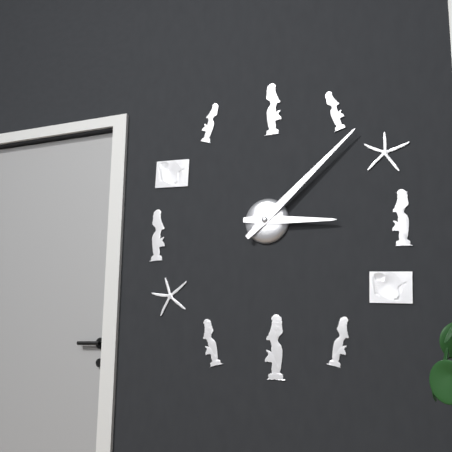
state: 3:08
